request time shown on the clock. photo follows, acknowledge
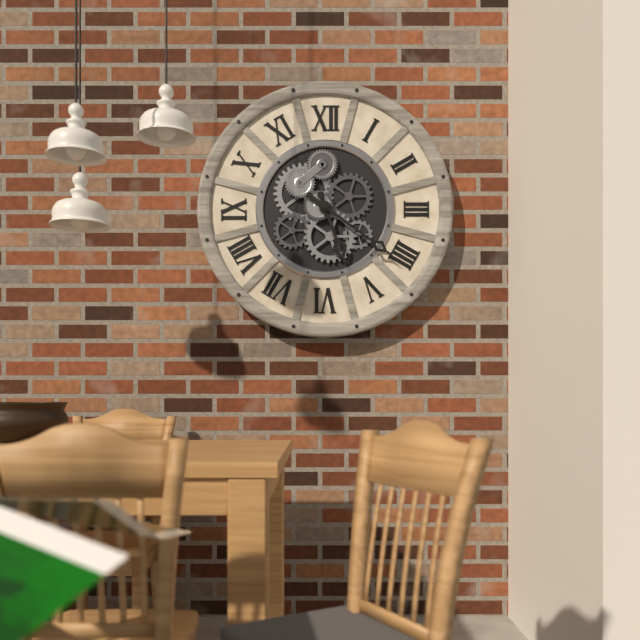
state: 5:21
